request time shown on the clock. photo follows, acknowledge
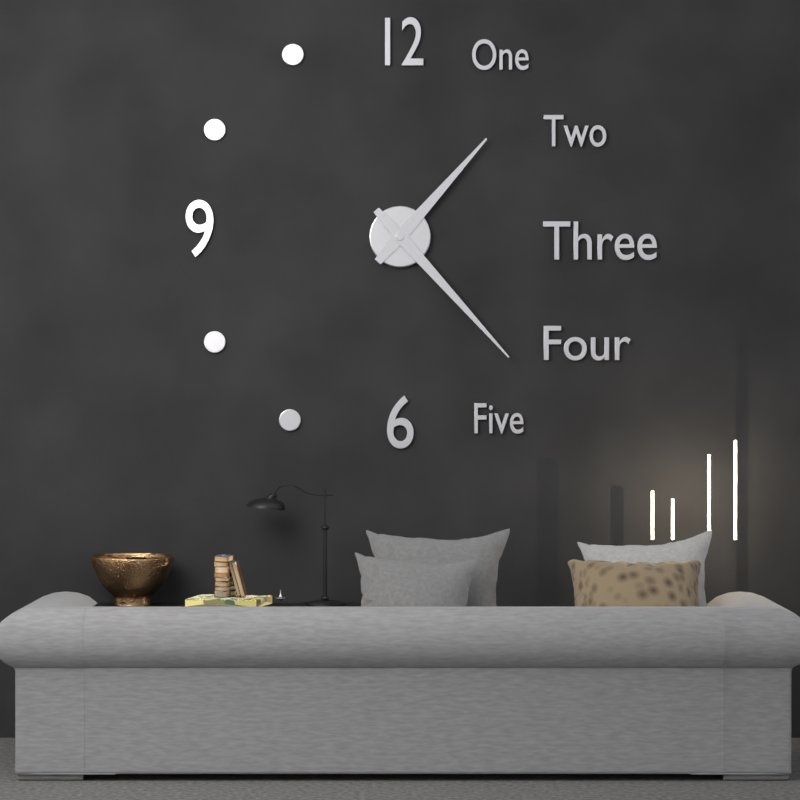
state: 1:23
